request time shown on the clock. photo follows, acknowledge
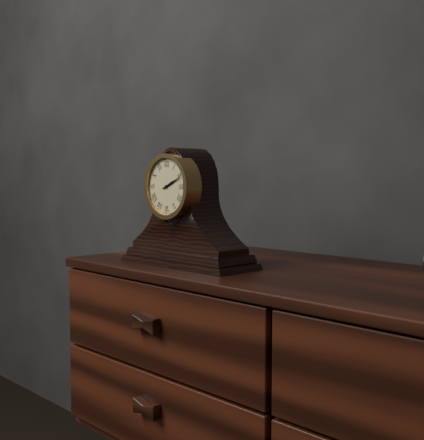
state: 2:11
